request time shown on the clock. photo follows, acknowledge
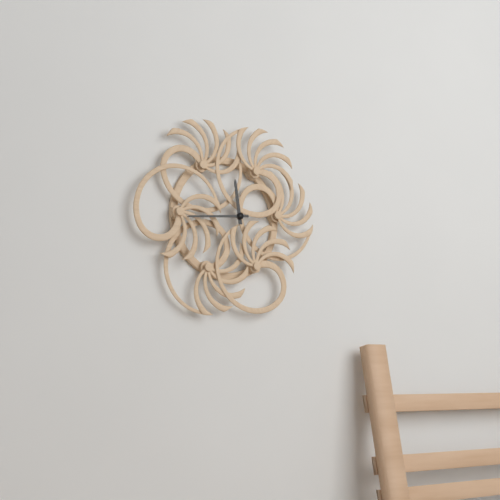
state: 11:44
